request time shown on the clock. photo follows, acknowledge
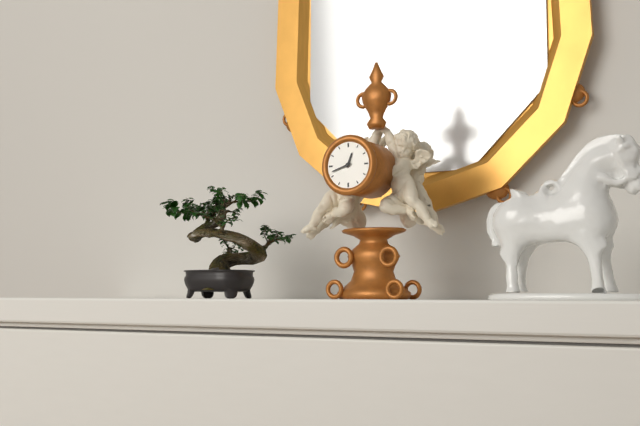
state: 12:42
